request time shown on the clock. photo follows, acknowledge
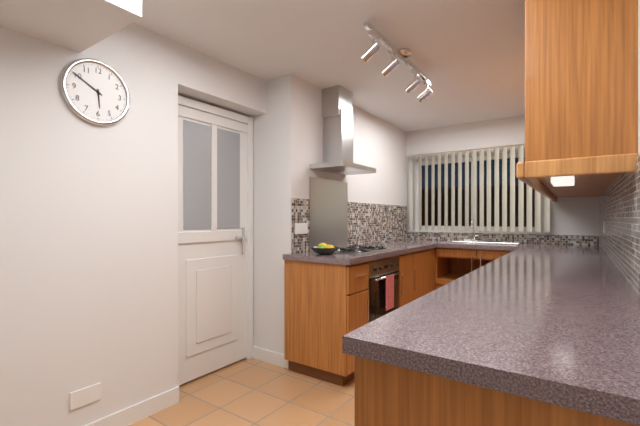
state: 5:50
